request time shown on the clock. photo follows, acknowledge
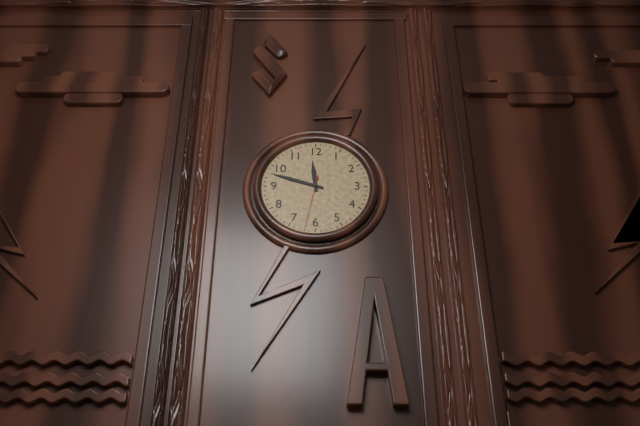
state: 11:48
